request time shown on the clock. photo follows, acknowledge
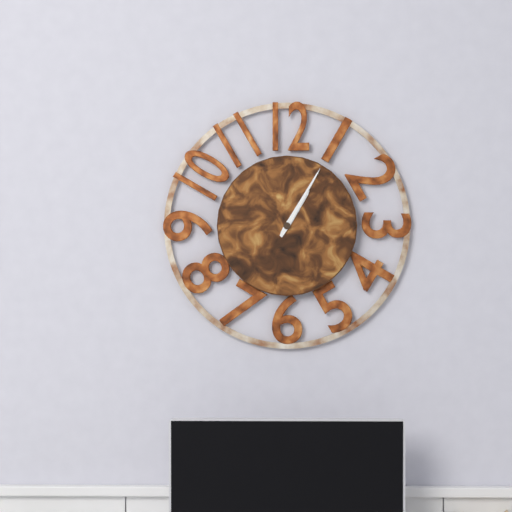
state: 1:05
